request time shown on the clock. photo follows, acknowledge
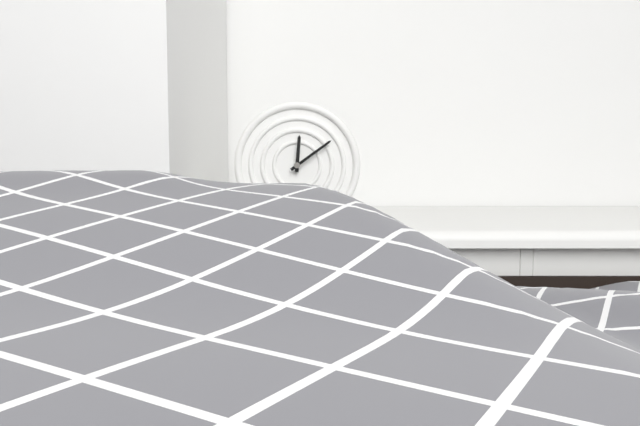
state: 12:09
